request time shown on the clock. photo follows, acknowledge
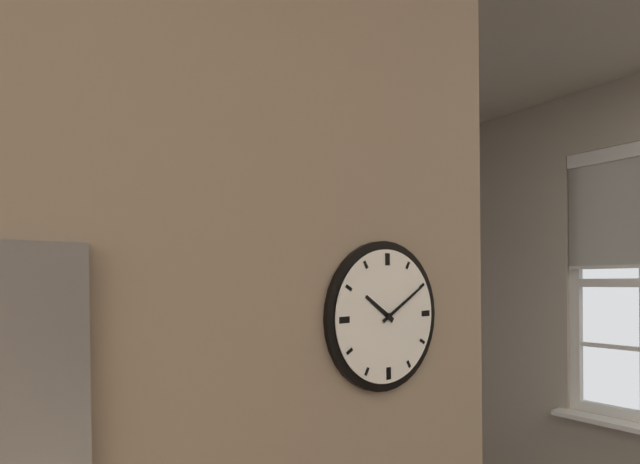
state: 10:10
